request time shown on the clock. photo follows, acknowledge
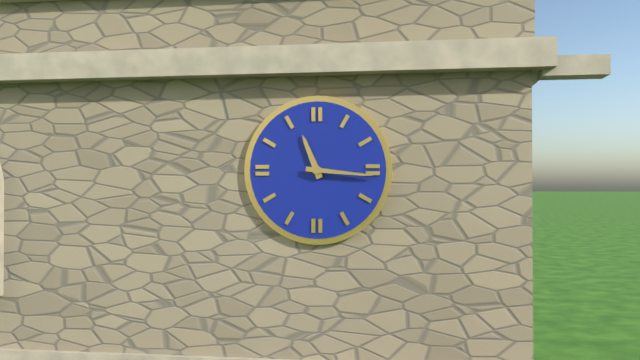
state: 11:16
